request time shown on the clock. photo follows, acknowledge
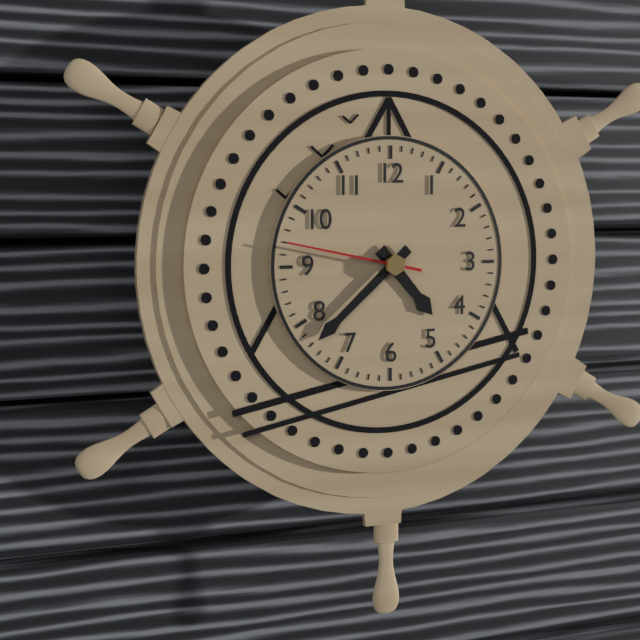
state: 4:38:47
